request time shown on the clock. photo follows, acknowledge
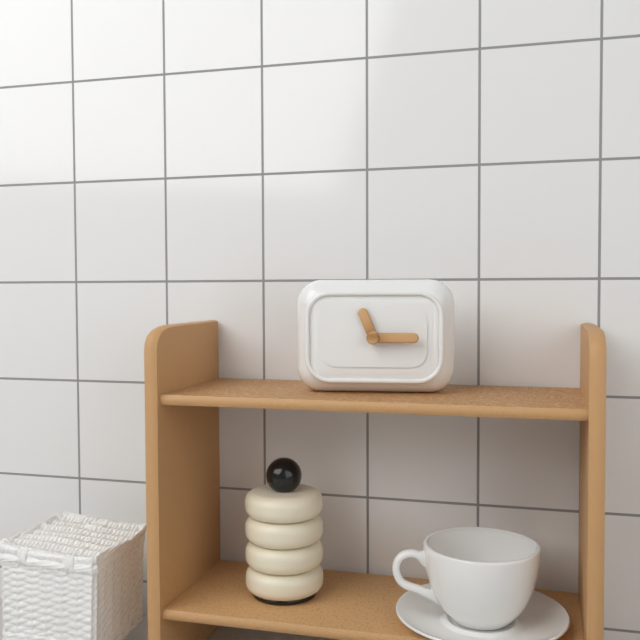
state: 11:15
